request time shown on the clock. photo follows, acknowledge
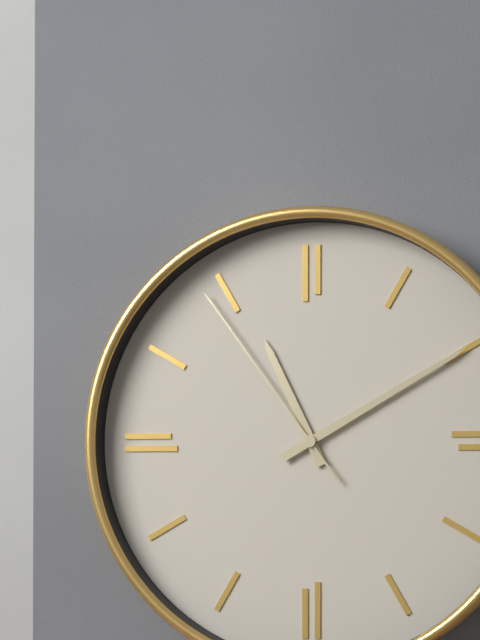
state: 11:10:54
